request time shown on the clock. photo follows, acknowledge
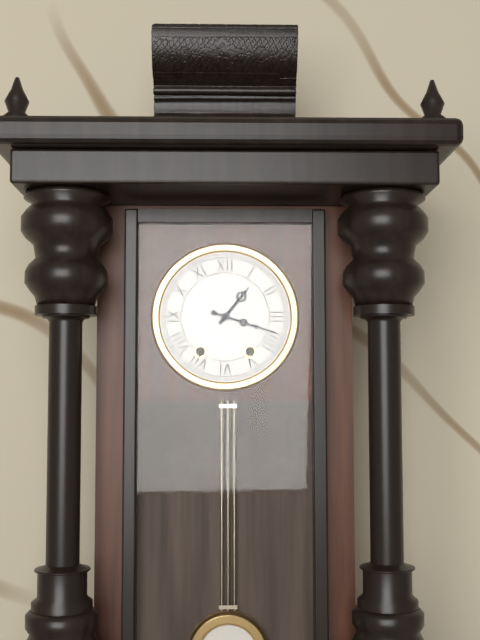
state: 1:18
